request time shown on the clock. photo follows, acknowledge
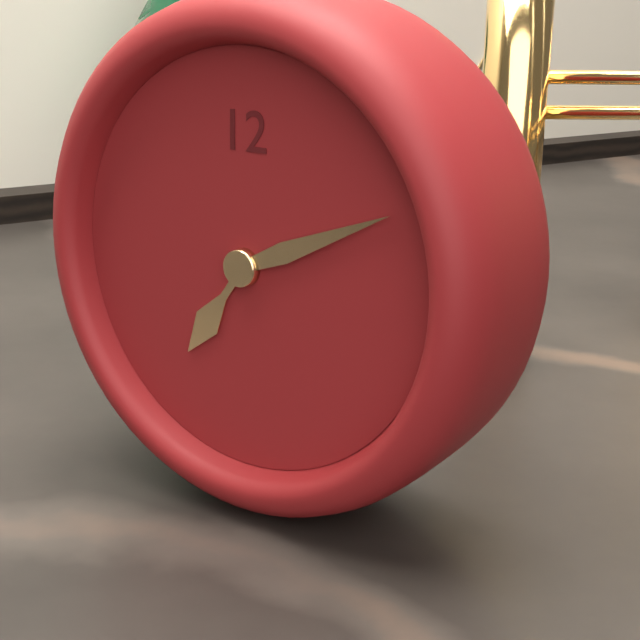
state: 7:11
